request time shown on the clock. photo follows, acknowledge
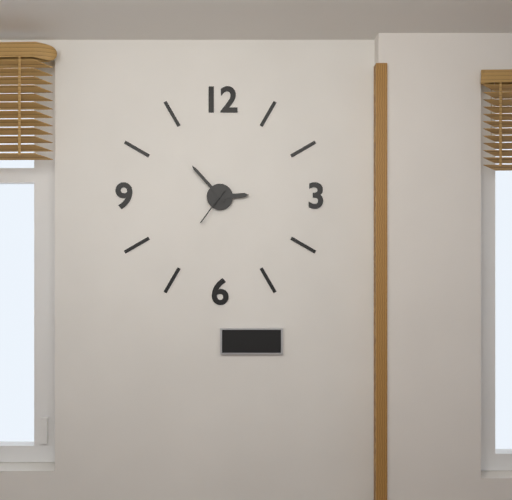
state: 2:53
